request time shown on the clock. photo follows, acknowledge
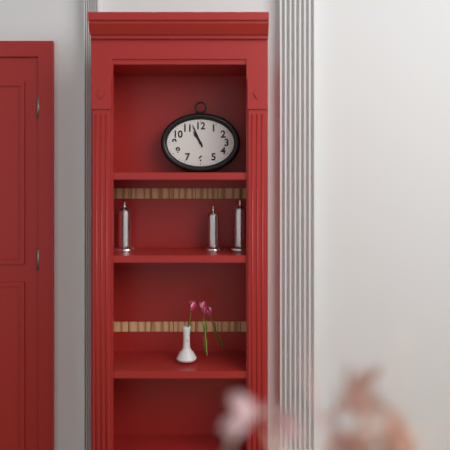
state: 10:56
